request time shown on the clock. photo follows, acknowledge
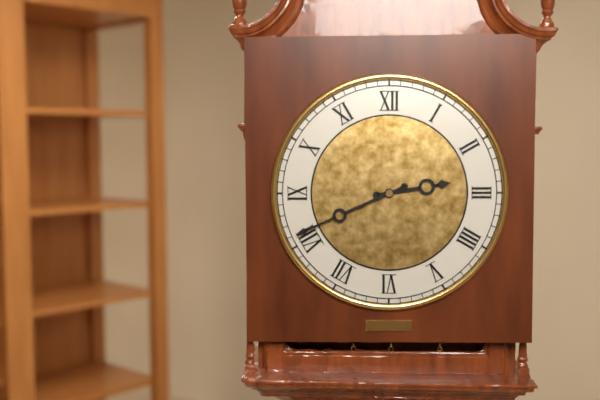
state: 2:41
